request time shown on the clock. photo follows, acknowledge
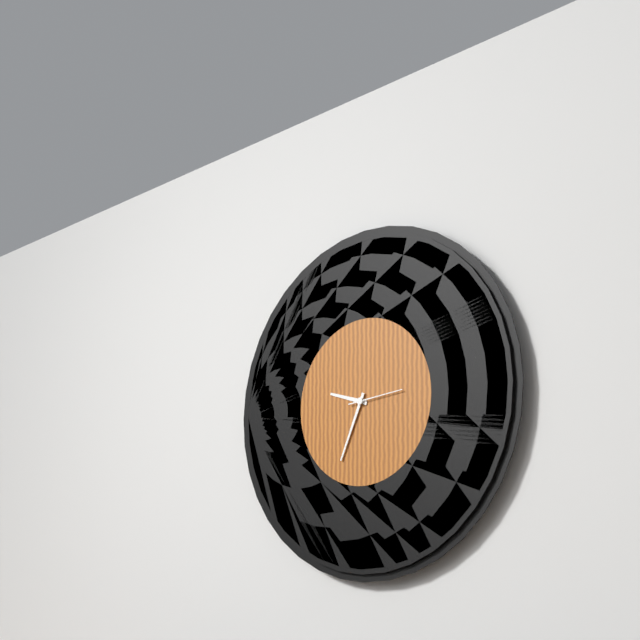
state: 9:34:14
